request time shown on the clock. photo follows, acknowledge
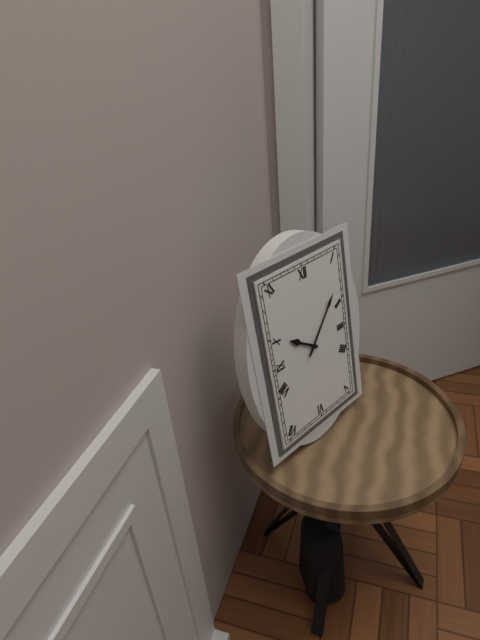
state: 10:07
